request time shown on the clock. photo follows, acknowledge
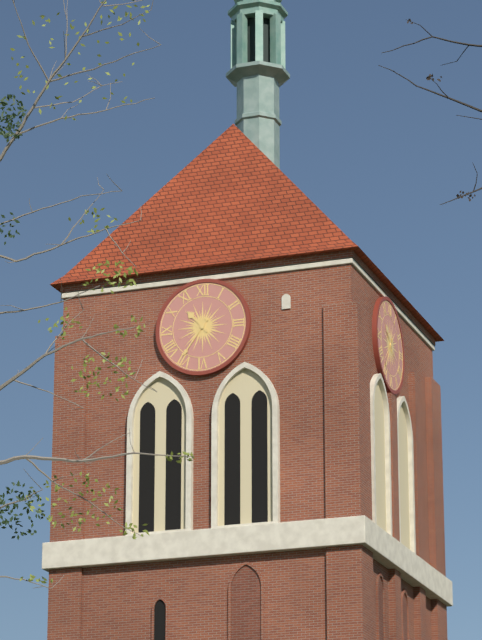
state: 10:36
